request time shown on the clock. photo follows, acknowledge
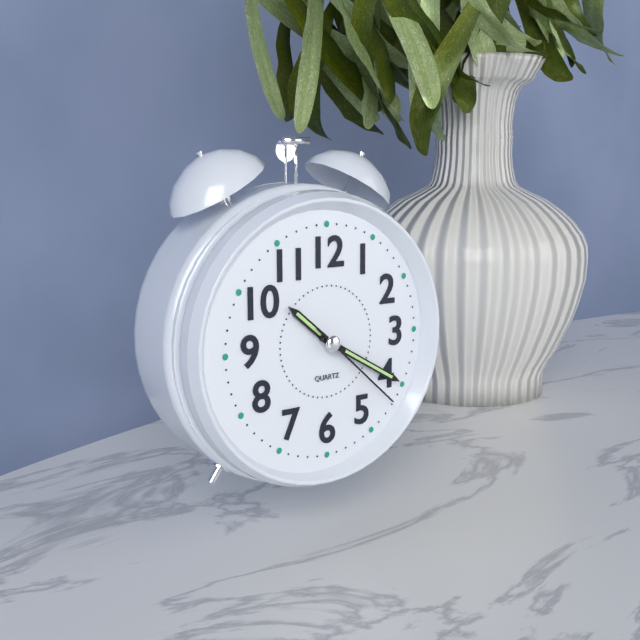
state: 10:20:22
